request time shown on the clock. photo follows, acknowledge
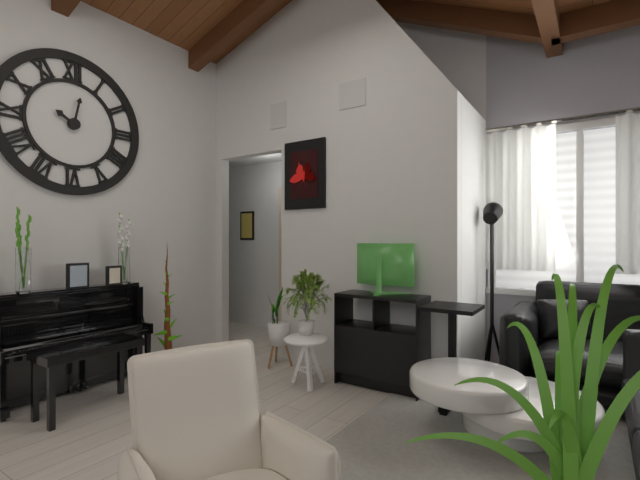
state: 10:02
